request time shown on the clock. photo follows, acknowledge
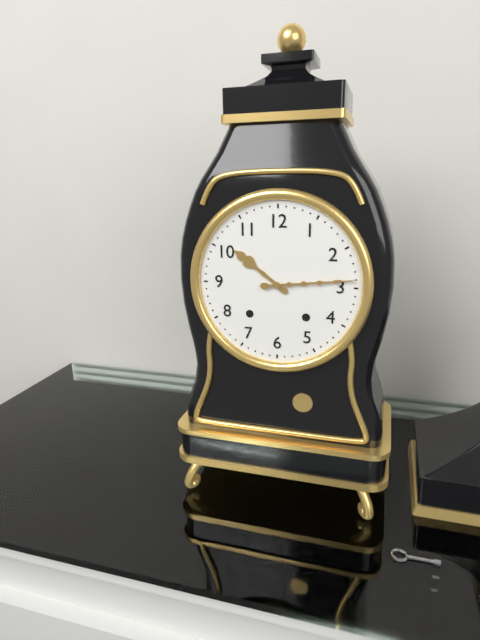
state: 10:14
